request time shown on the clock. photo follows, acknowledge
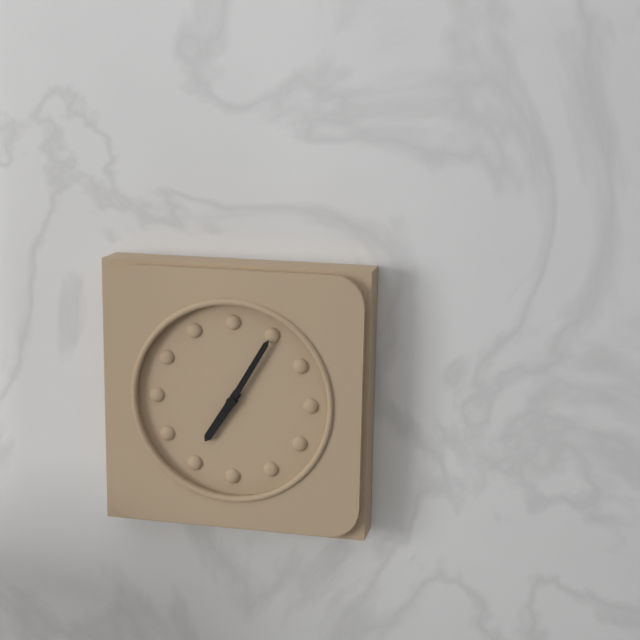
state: 7:05
